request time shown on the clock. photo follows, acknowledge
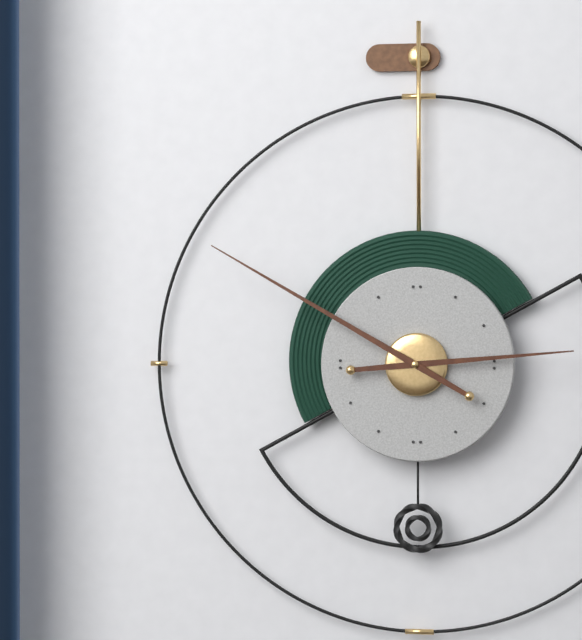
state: 2:50
